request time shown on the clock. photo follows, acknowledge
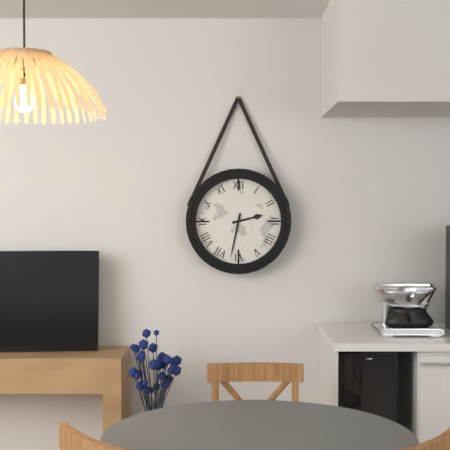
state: 2:32
